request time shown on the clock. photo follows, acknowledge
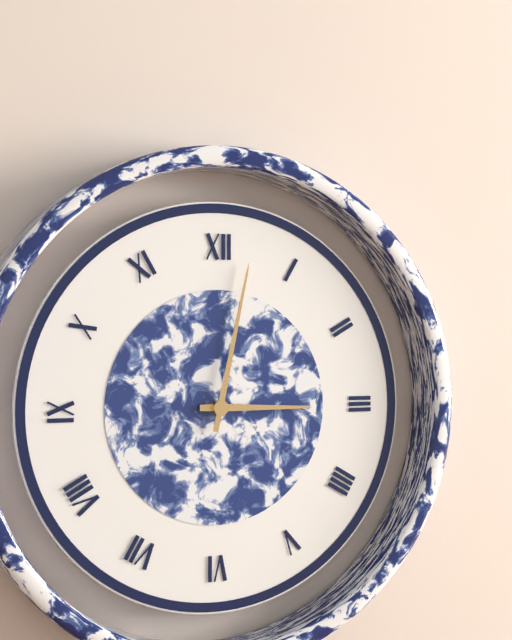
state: 3:02
